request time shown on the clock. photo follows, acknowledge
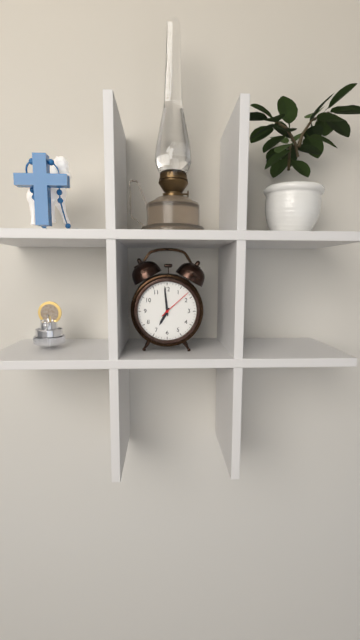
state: 6:59
